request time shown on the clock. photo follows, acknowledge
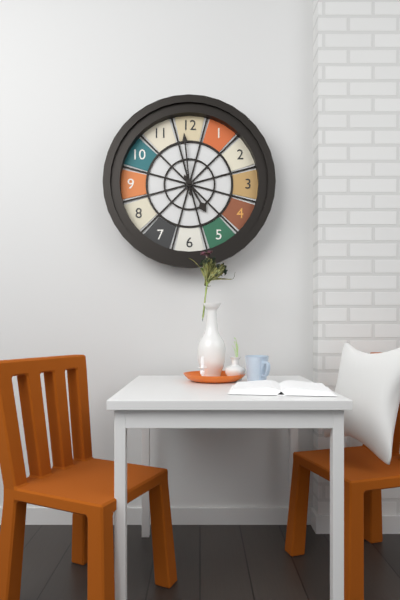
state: 4:59
